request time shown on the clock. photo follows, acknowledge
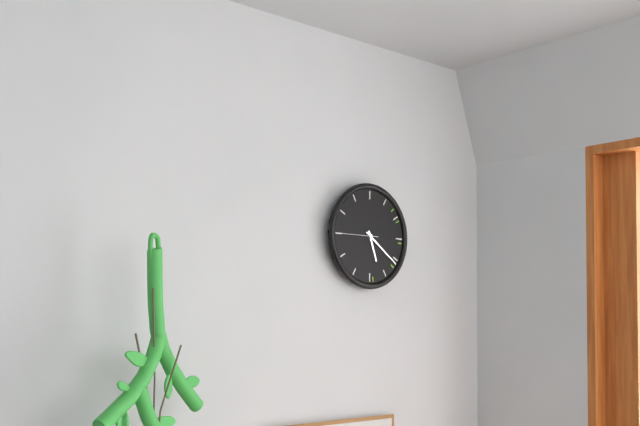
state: 5:21
